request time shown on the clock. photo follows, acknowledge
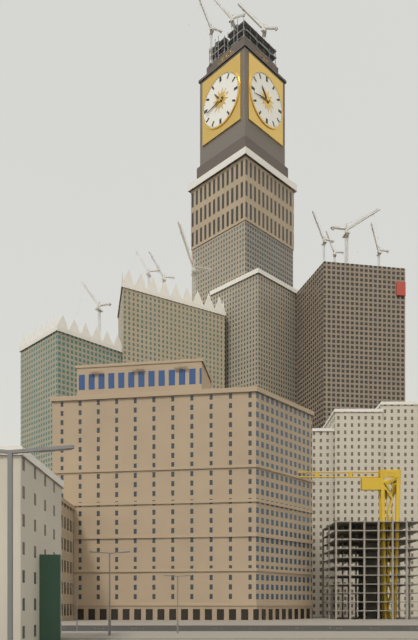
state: 10:43
